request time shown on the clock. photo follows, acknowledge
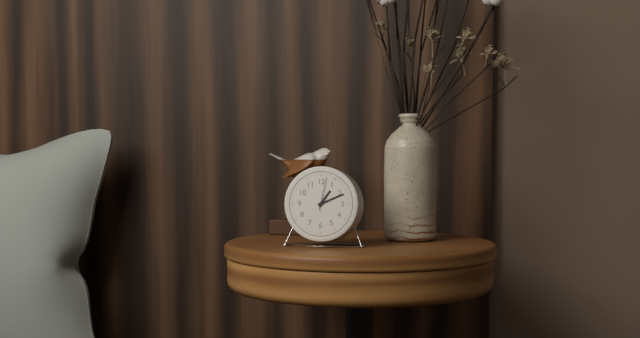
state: 1:11
